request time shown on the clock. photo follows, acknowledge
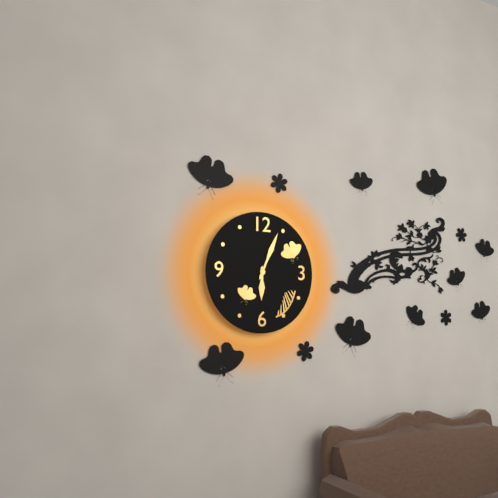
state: 6:04
